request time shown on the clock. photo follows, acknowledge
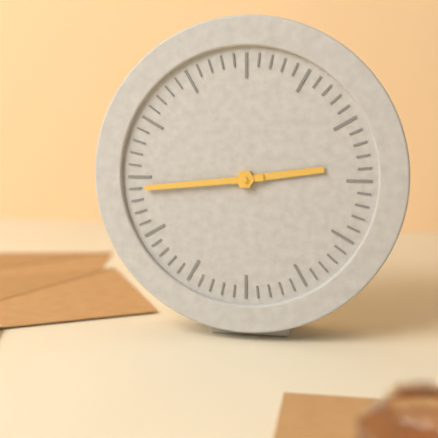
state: 2:44
